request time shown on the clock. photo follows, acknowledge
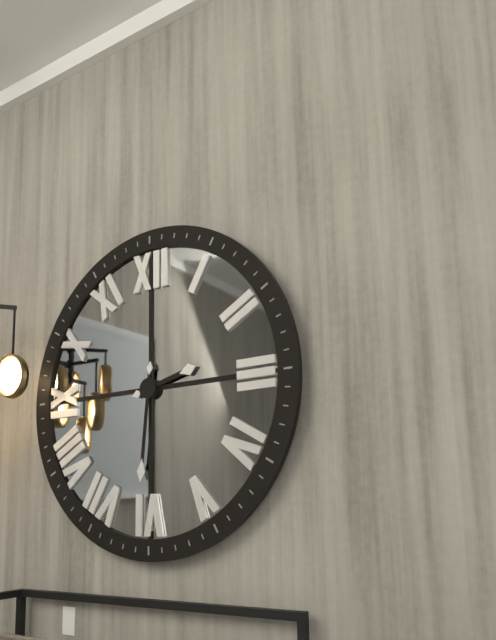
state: 2:31
